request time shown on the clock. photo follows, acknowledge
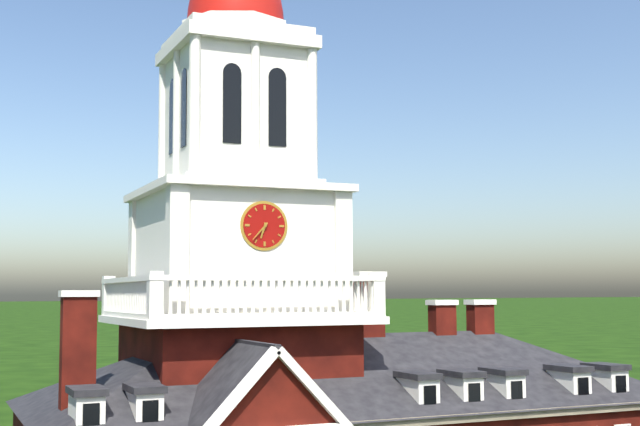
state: 6:37
